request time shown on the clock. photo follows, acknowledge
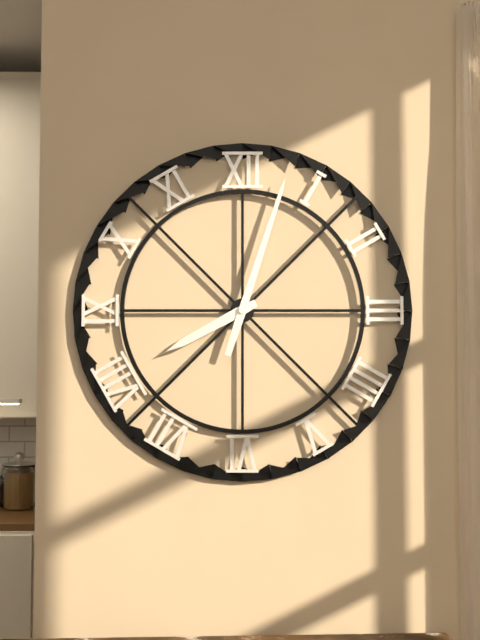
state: 8:03
